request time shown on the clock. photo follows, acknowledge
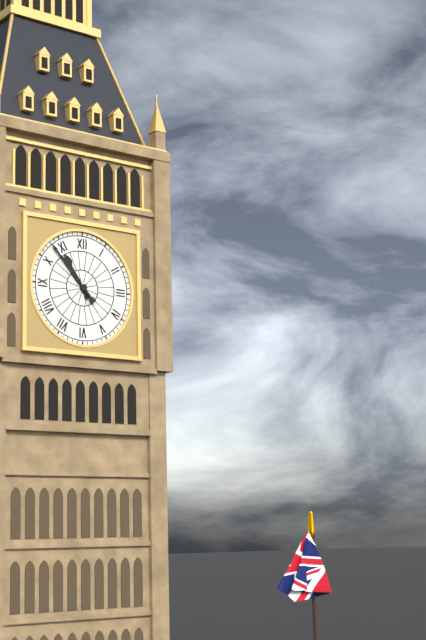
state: 10:53
